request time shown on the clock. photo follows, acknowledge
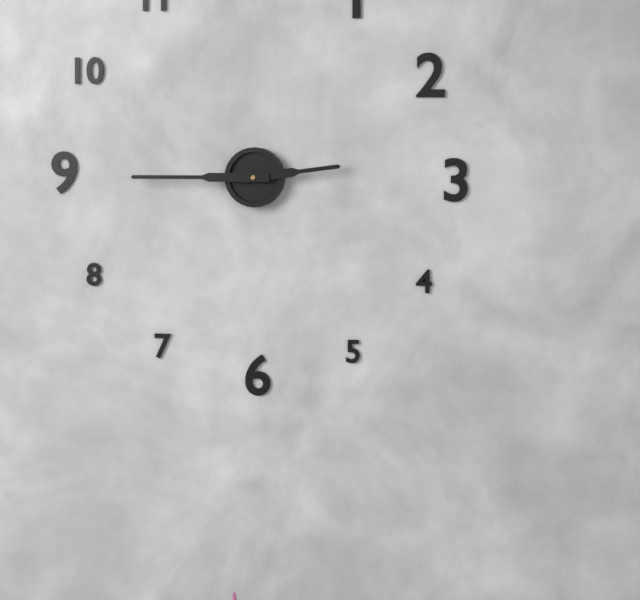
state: 2:45
